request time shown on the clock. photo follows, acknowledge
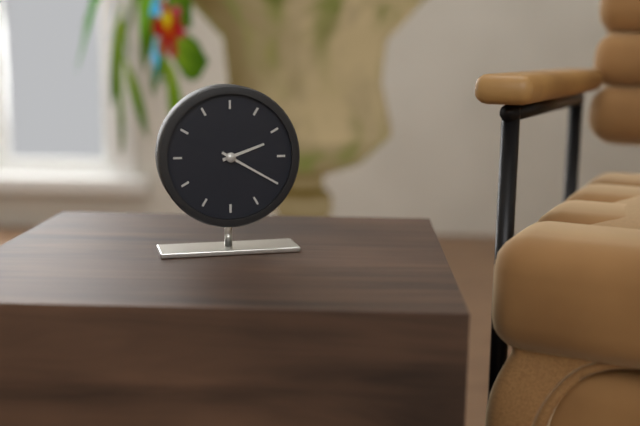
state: 2:20
